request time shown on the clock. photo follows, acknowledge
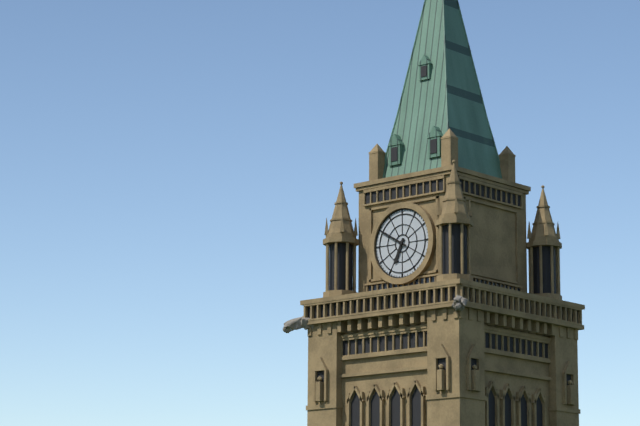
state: 6:50
